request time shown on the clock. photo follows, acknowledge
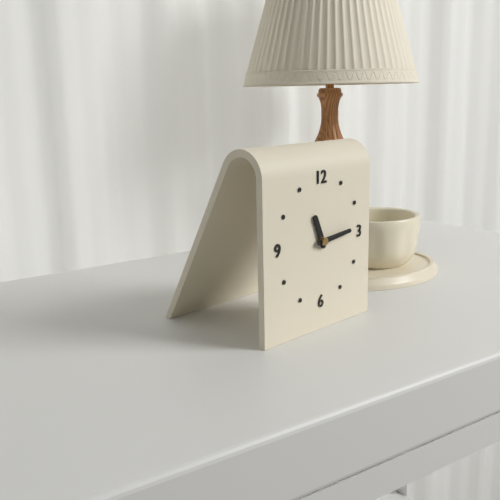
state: 11:14
